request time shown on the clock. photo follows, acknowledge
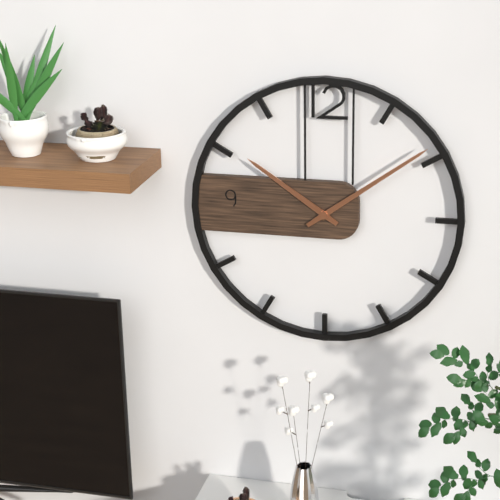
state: 10:09
